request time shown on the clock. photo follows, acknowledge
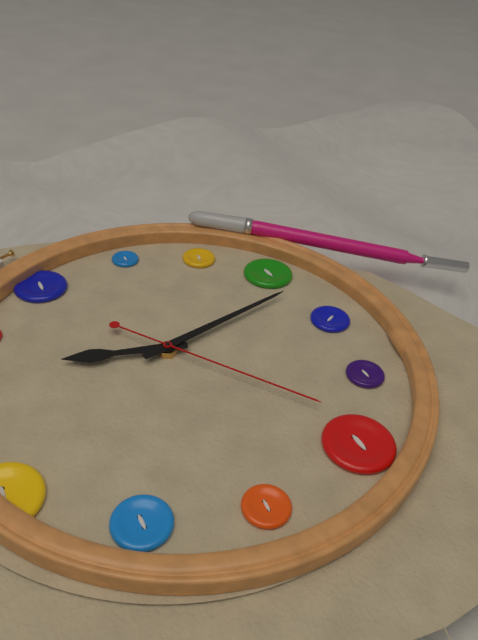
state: 12:28:39
